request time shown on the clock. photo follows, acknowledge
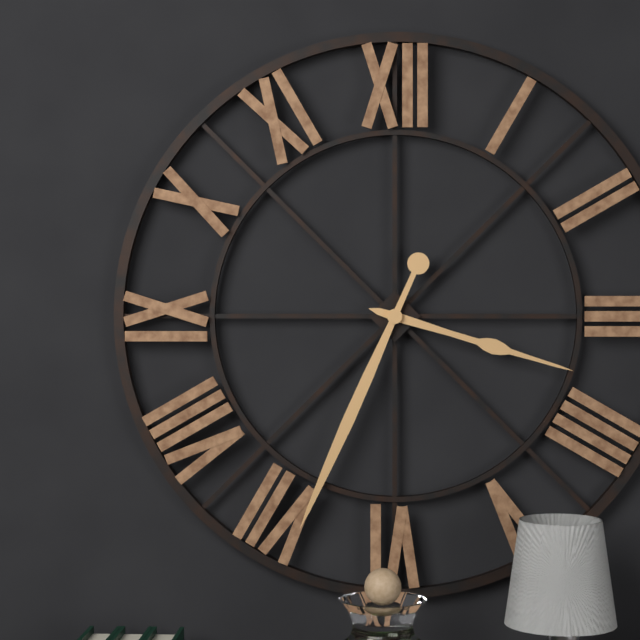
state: 3:34
